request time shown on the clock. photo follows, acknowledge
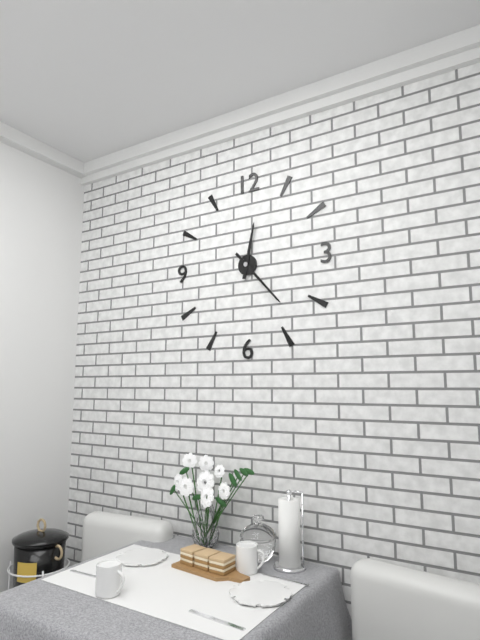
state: 12:23
